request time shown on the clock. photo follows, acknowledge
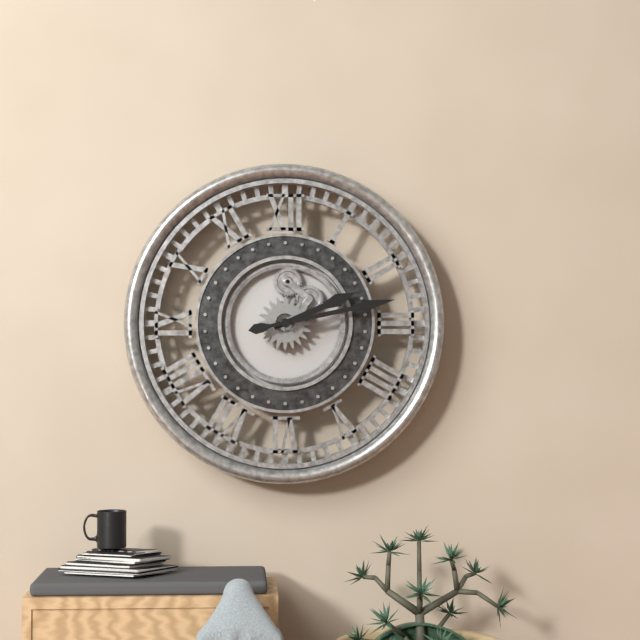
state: 2:13
